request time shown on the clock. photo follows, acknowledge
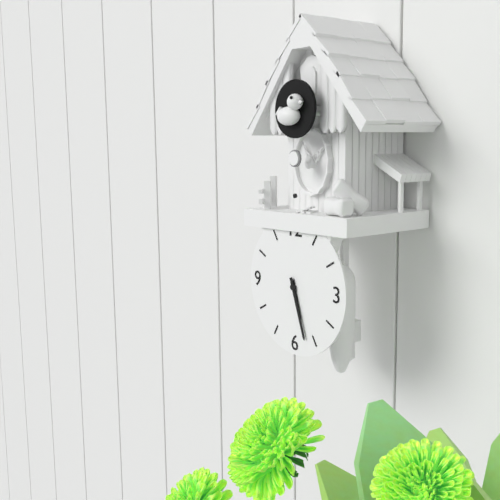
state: 5:27
